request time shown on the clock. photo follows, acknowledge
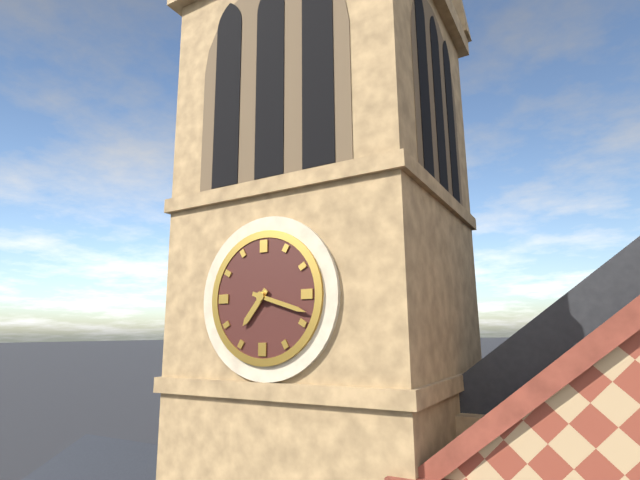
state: 7:18
